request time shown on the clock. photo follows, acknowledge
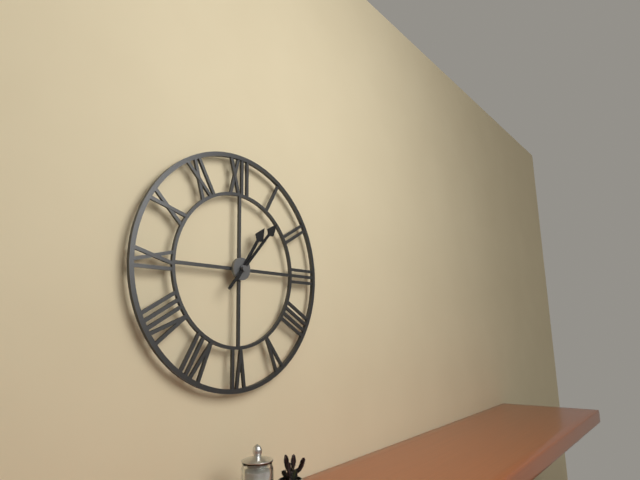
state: 1:07
